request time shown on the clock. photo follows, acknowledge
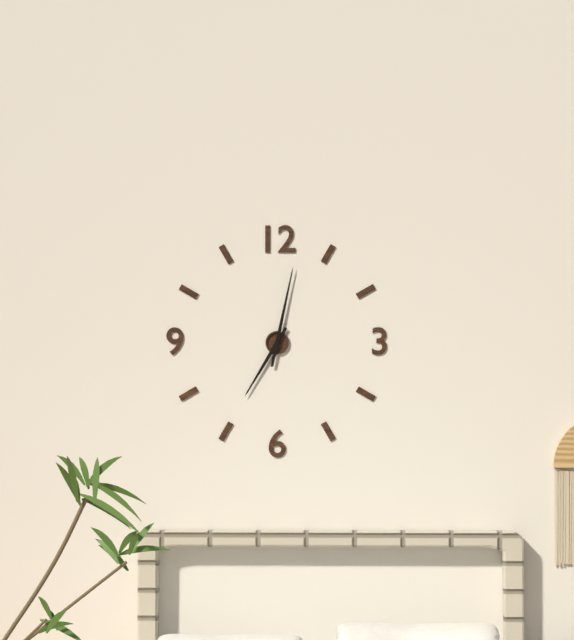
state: 7:02
